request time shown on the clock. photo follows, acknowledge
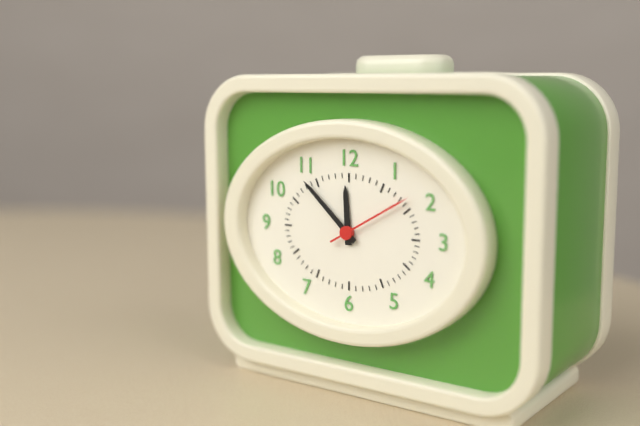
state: 11:52:10
